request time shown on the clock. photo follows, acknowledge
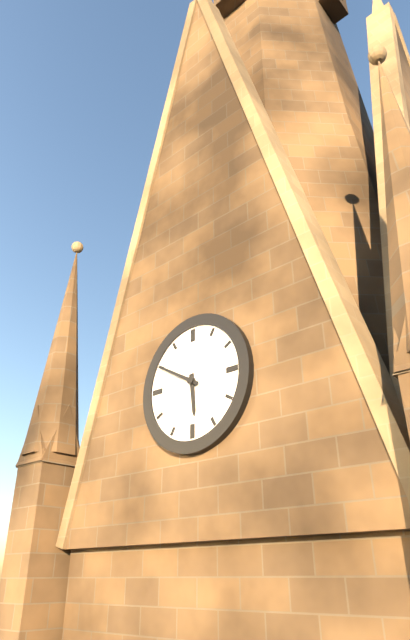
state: 5:50
